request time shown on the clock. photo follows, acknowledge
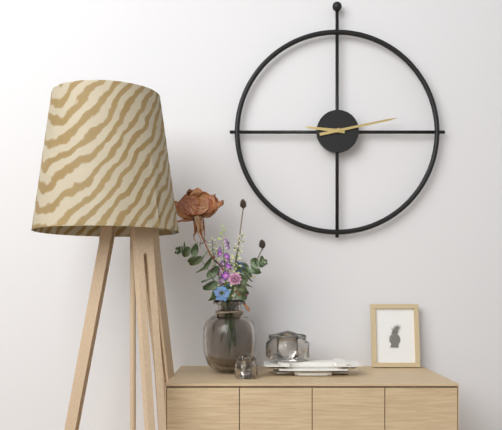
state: 9:13
